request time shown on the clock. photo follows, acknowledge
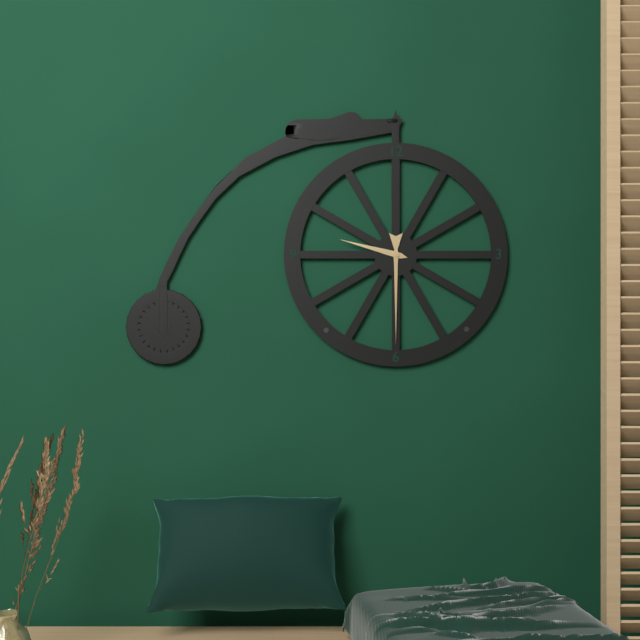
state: 9:30
